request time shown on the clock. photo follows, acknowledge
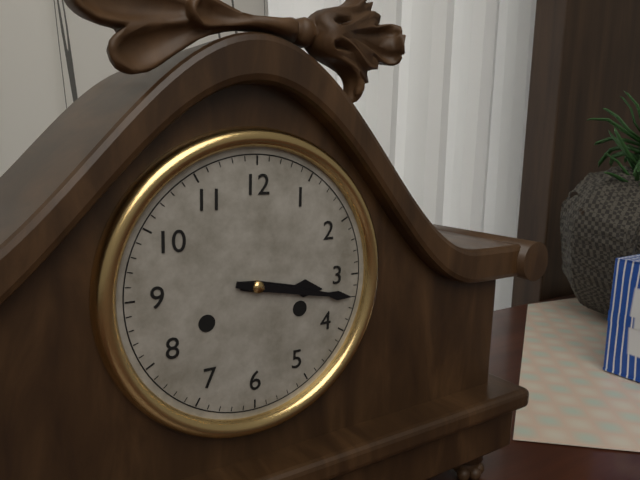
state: 3:17
